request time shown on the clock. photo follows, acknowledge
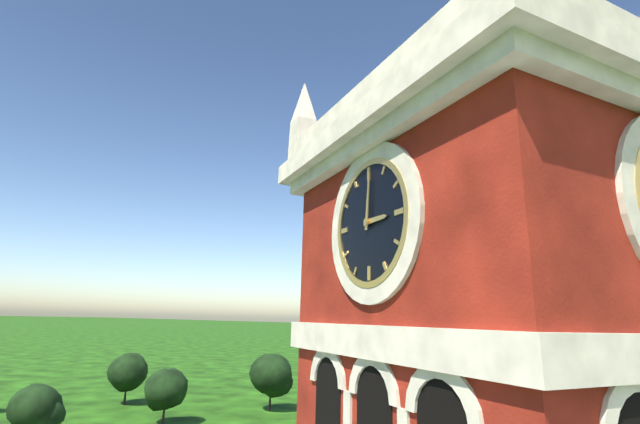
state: 3:01
